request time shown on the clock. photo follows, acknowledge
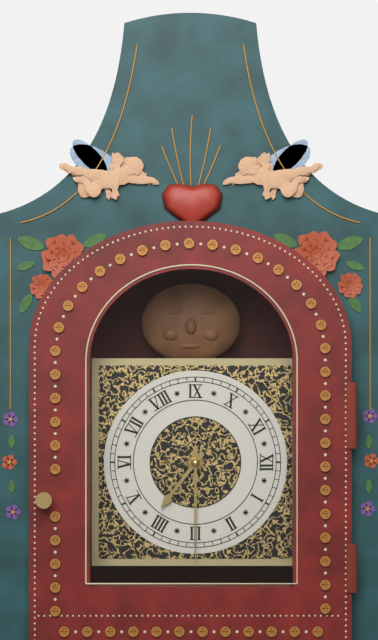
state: 4:15
